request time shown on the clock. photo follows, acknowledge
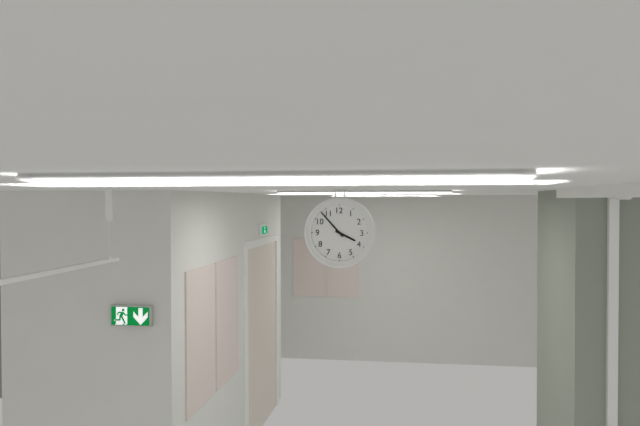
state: 3:53
